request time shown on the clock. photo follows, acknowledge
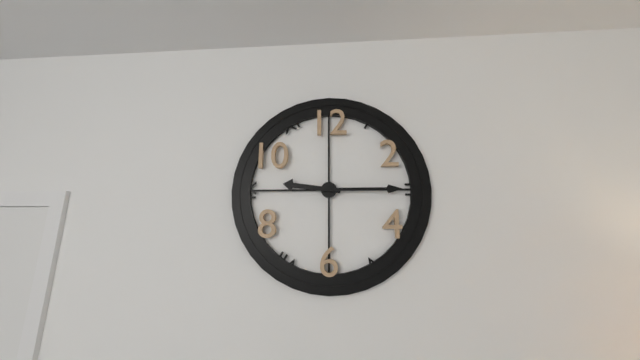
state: 9:15
